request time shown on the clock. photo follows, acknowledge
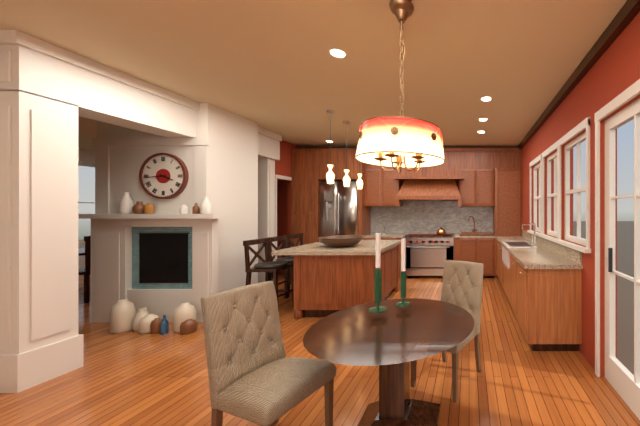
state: 3:44
